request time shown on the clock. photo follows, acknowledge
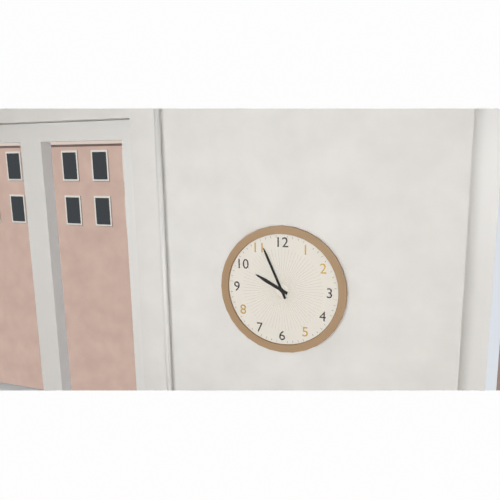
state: 9:56
